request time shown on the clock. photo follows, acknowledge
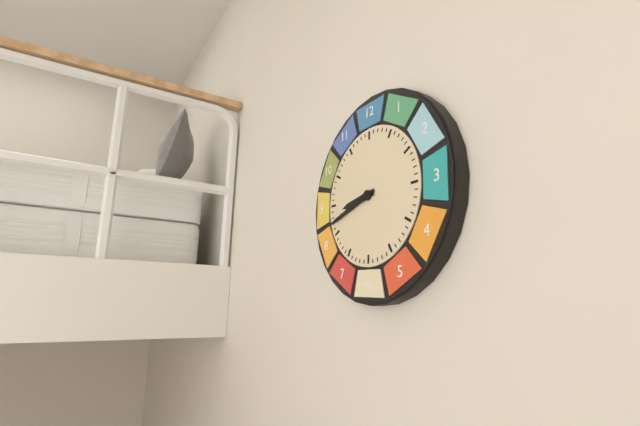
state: 8:42
